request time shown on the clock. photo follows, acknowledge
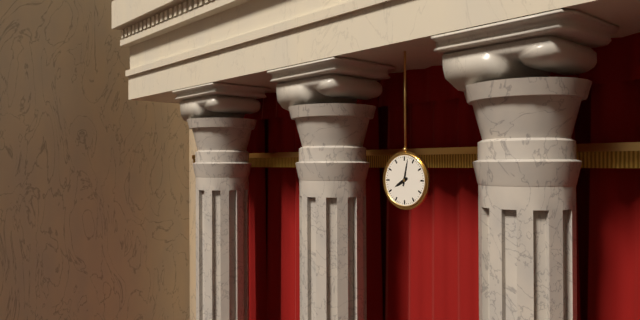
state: 8:02
